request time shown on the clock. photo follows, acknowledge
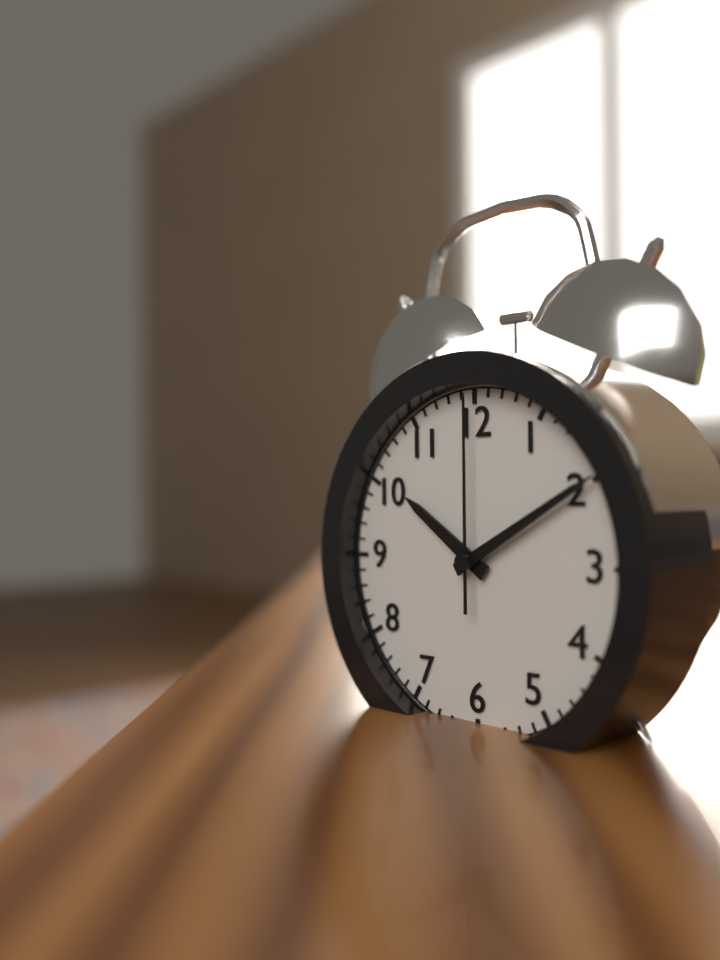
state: 10:10:00
